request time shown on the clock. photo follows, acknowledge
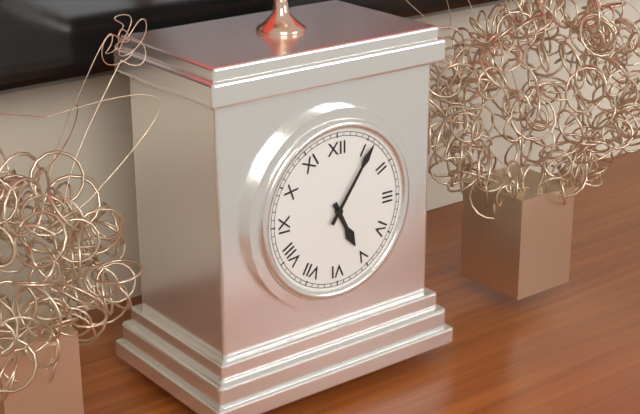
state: 5:06
